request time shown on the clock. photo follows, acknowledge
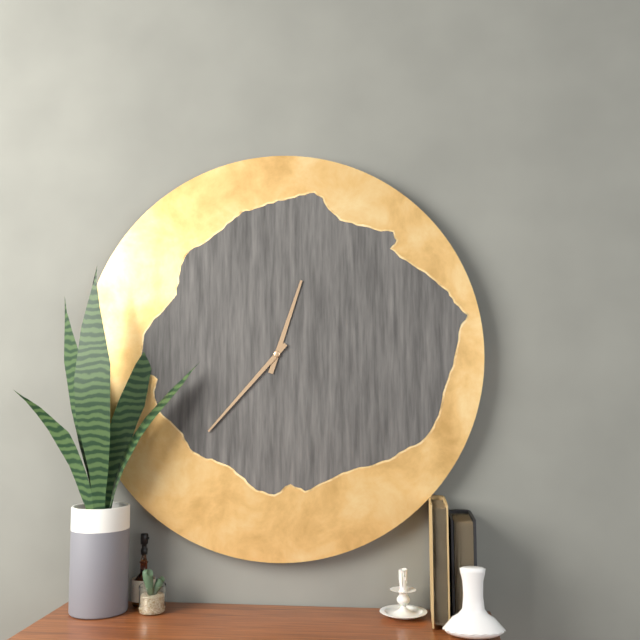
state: 12:37
